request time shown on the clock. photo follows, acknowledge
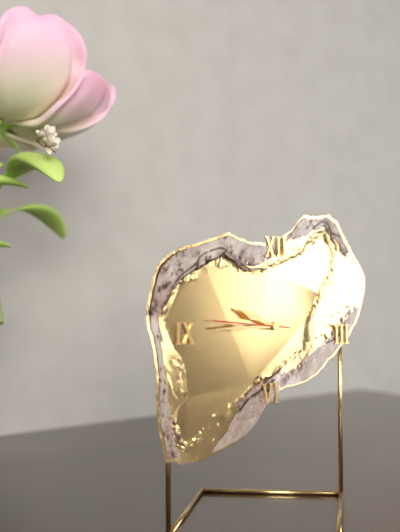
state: 9:45:46
